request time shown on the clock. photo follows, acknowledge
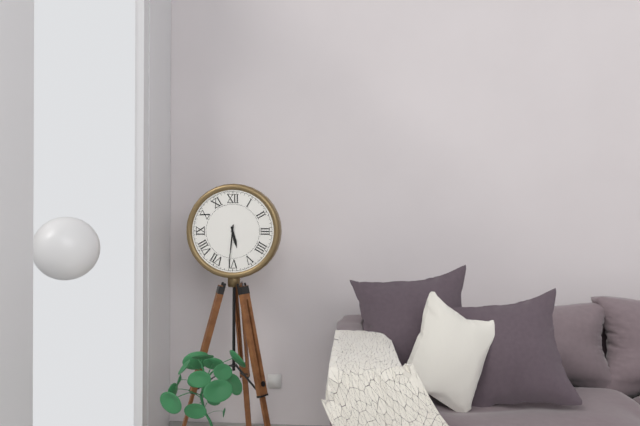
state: 5:31
